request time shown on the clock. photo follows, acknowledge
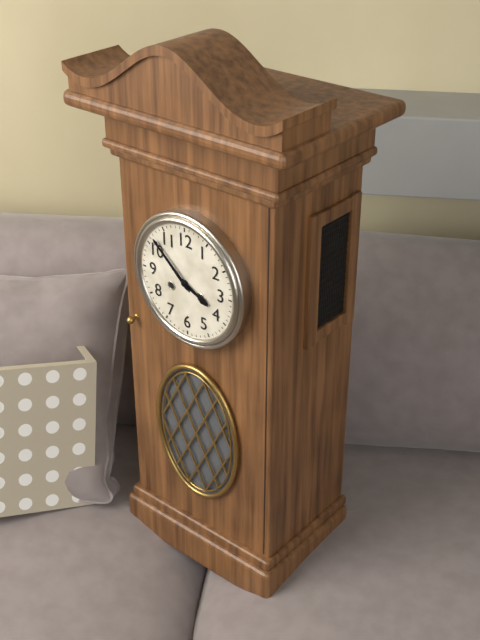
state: 3:52
